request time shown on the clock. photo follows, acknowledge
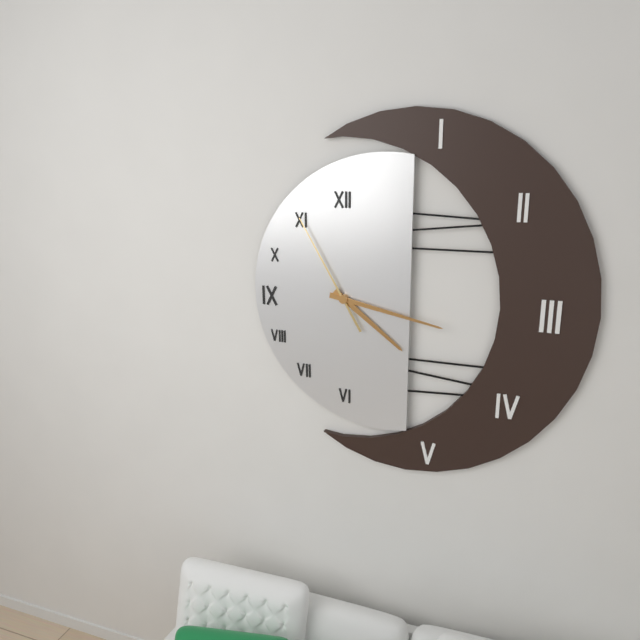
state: 4:17:55
